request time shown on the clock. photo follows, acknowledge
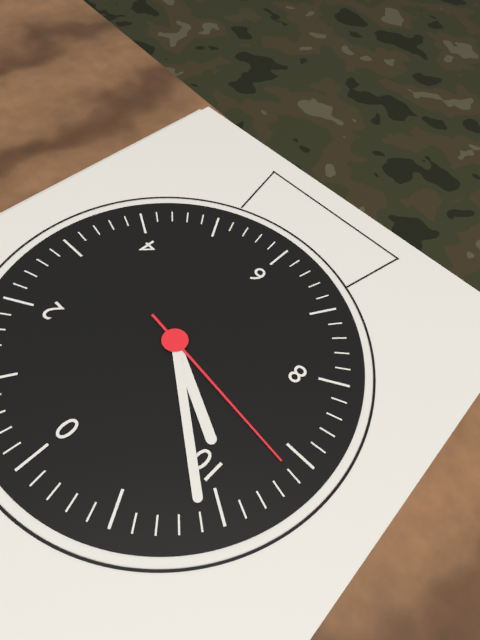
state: 9:51:46
